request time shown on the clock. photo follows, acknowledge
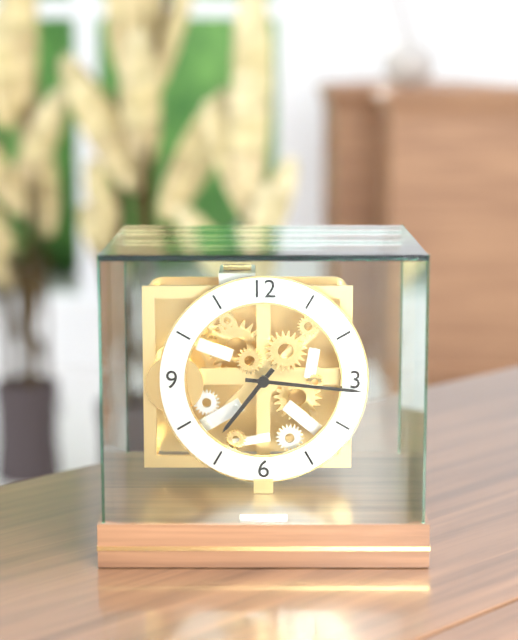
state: 7:16
